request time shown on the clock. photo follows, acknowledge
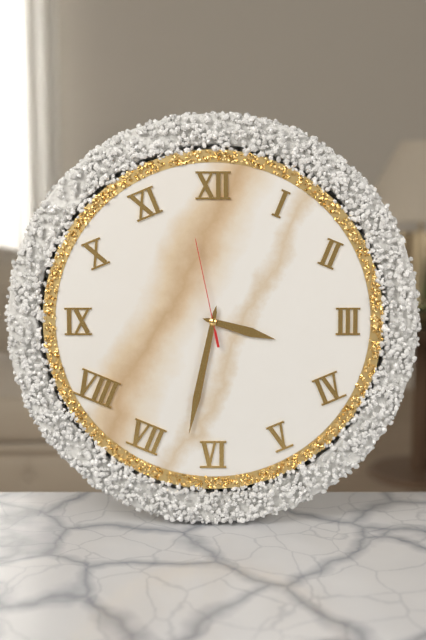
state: 3:32:58
